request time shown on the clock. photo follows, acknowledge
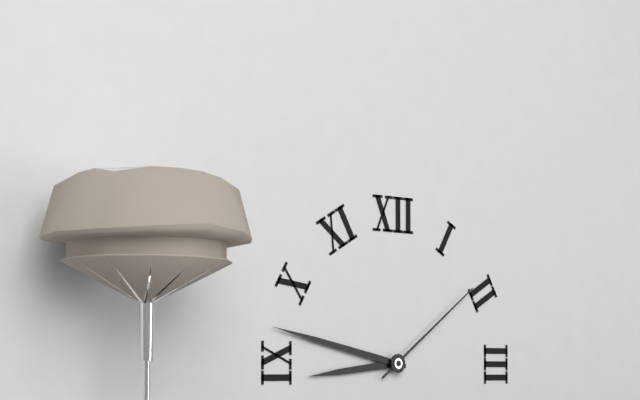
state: 8:47:09
